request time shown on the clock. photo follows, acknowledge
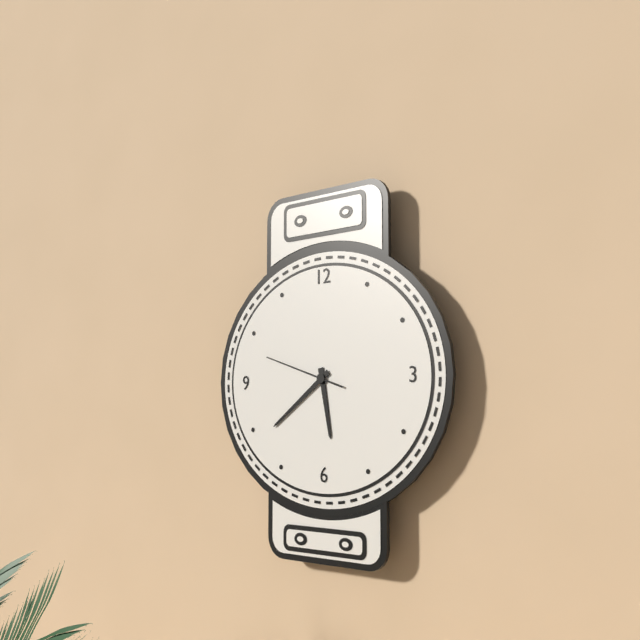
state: 5:39:48
